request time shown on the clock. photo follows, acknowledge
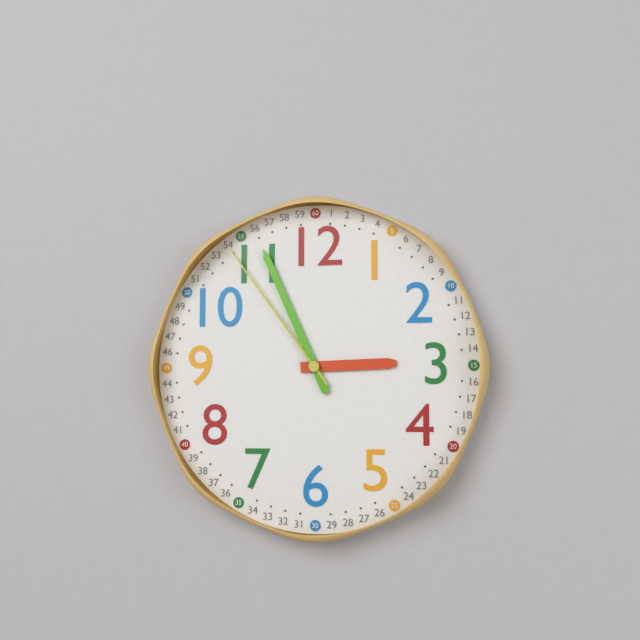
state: 2:56:54
